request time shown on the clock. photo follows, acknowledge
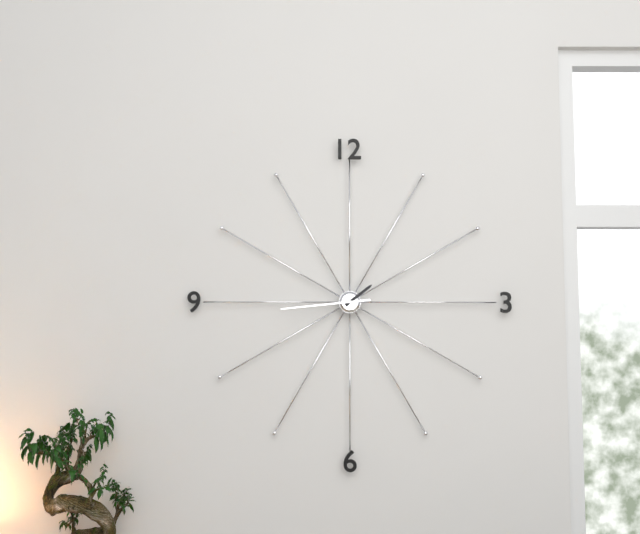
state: 1:44
